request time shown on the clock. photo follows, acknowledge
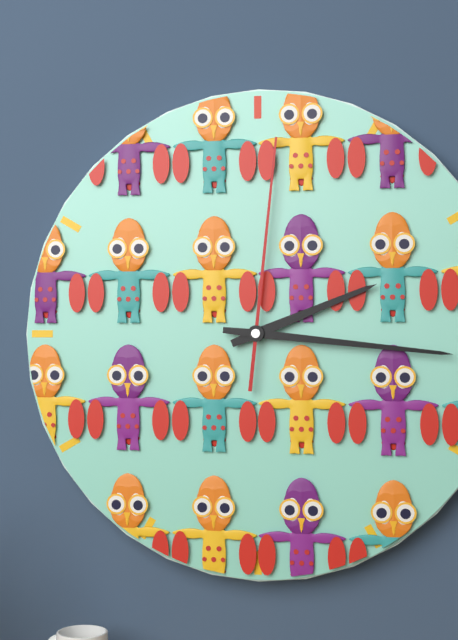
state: 2:16:01
